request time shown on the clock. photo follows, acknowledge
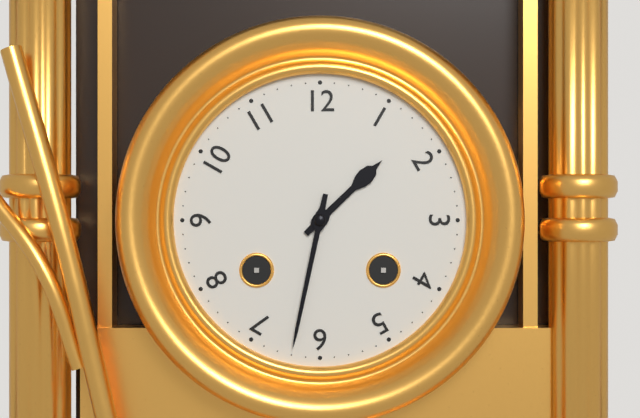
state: 1:32
